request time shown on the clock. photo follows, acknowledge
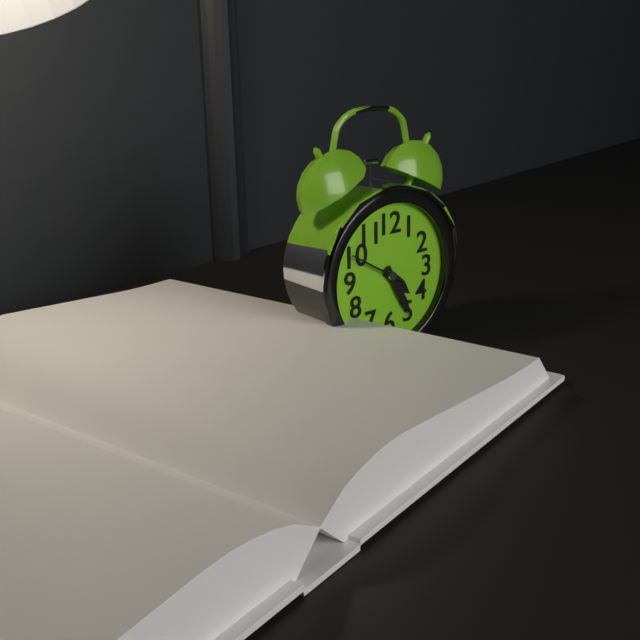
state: 4:25:50
